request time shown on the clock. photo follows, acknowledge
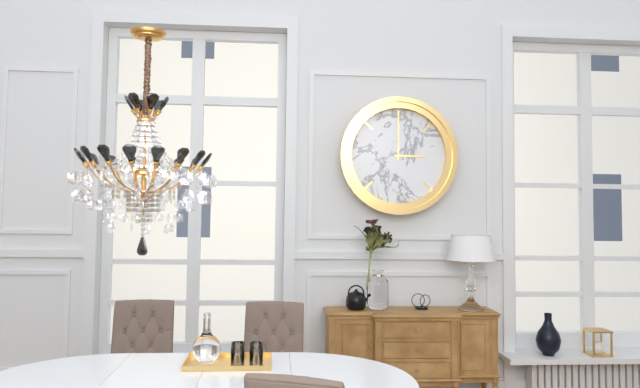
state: 3:00
